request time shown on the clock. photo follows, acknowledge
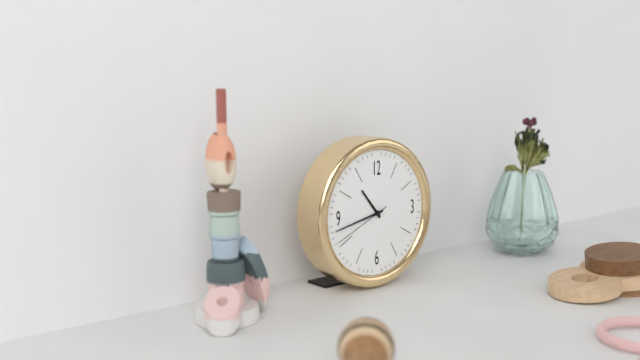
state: 10:43:41
